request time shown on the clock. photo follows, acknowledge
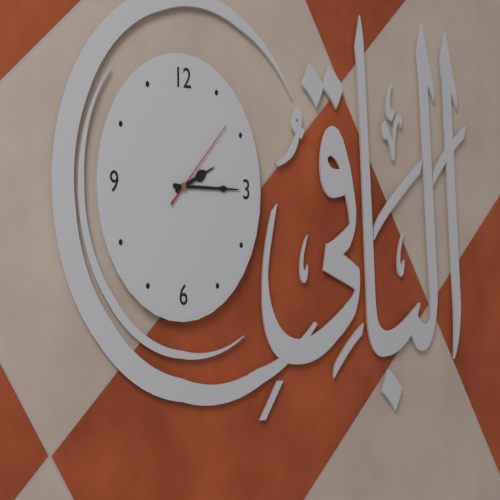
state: 2:15:08
